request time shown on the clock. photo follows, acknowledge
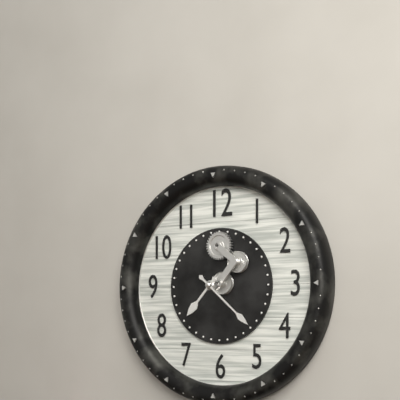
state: 7:22
